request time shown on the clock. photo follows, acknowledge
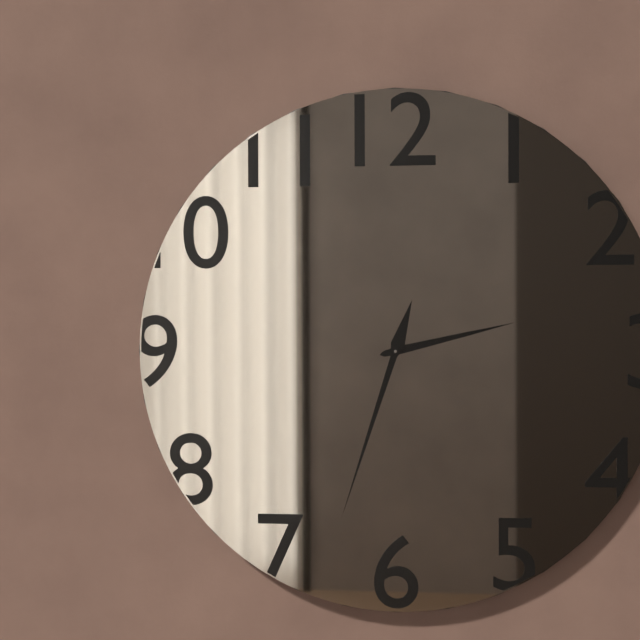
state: 2:33
